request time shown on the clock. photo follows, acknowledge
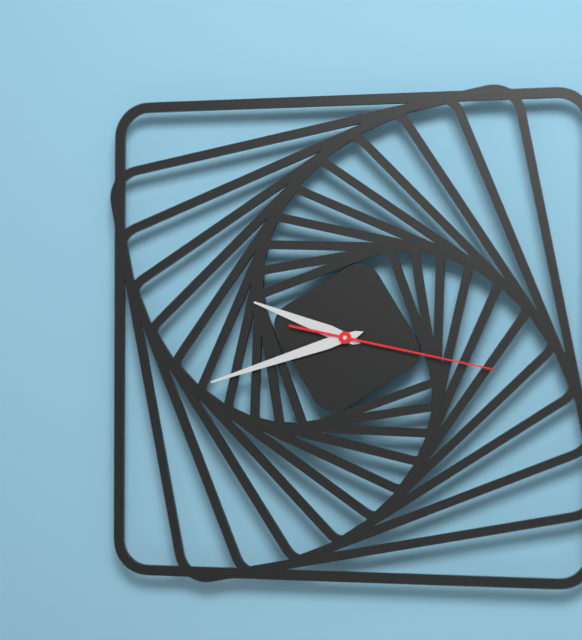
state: 9:42:17
